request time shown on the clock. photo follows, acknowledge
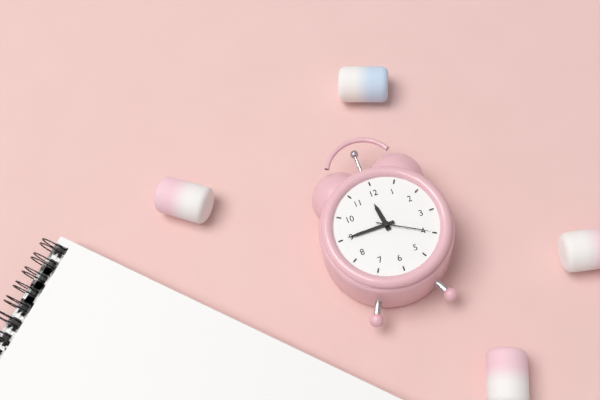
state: 11:45:20
